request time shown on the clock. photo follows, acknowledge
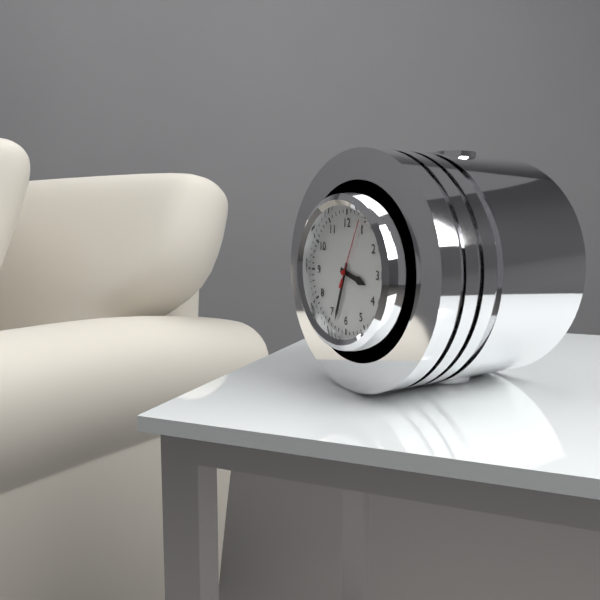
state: 3:33:04
